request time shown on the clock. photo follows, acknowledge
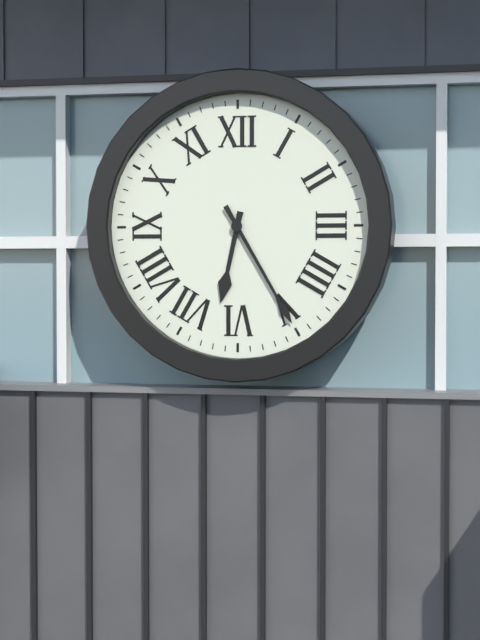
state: 6:25
